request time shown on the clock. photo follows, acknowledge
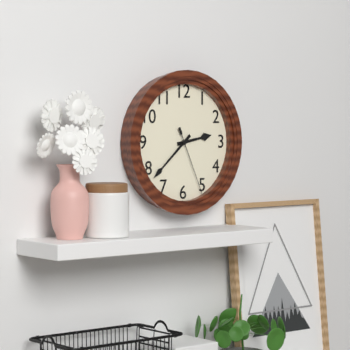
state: 2:38:26
